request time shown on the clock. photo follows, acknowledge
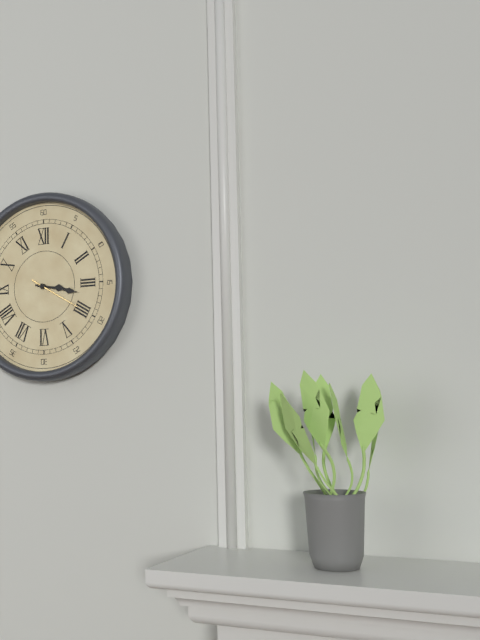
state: 3:17:20
